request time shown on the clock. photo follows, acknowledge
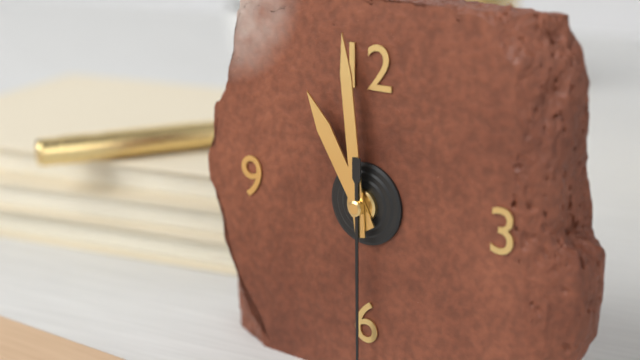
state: 10:59
